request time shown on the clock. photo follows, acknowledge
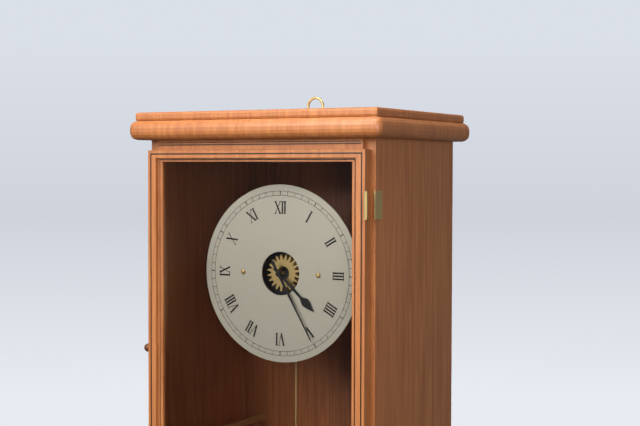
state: 4:25
